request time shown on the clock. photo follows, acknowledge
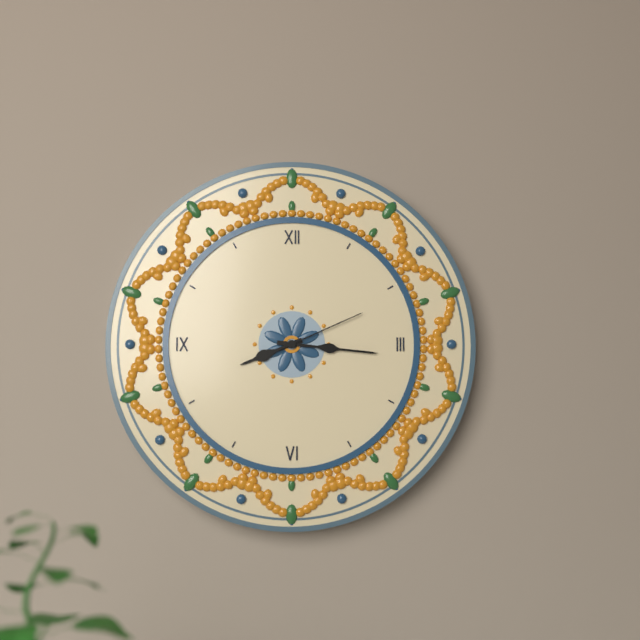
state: 8:16:11
